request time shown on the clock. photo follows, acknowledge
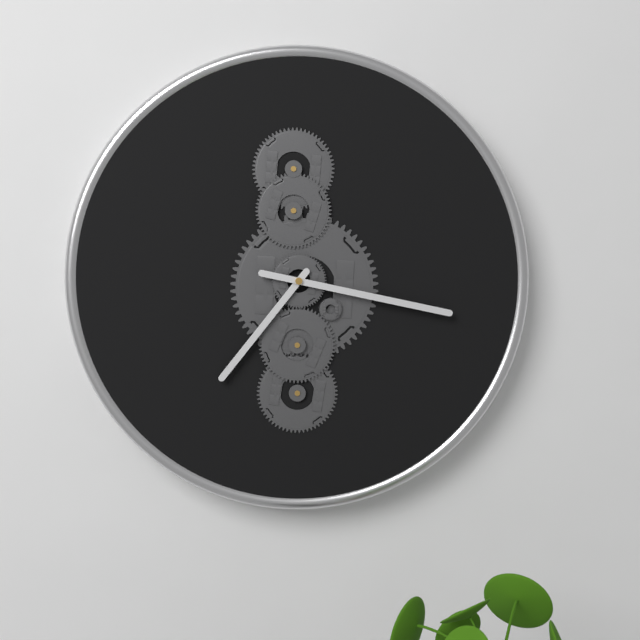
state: 7:17
